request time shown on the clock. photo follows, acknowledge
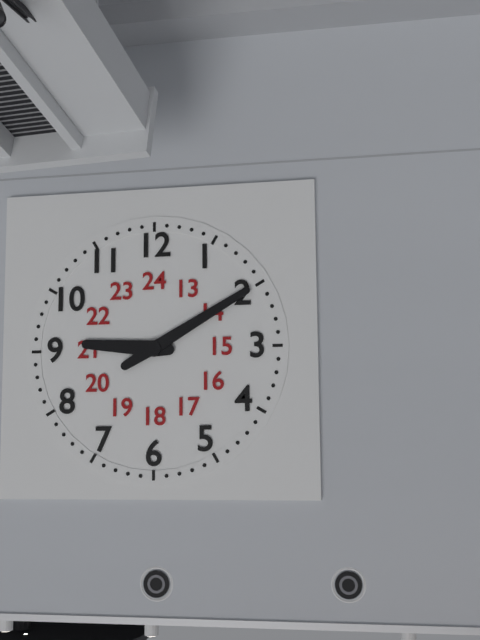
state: 9:10
